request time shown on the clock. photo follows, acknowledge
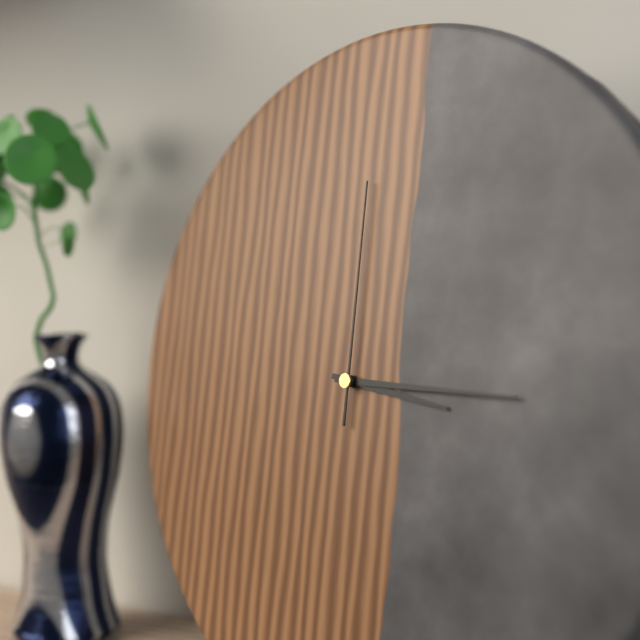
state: 3:15:00
